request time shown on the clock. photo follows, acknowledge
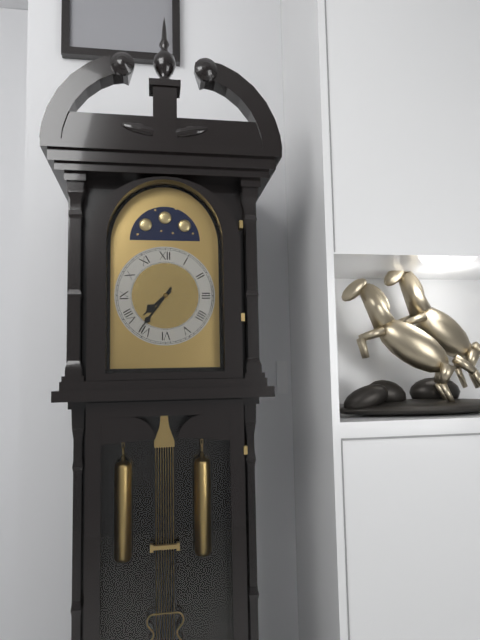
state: 7:36
